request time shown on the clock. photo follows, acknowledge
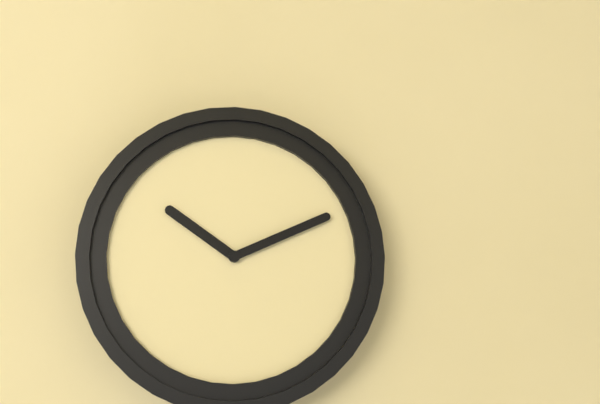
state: 10:11
